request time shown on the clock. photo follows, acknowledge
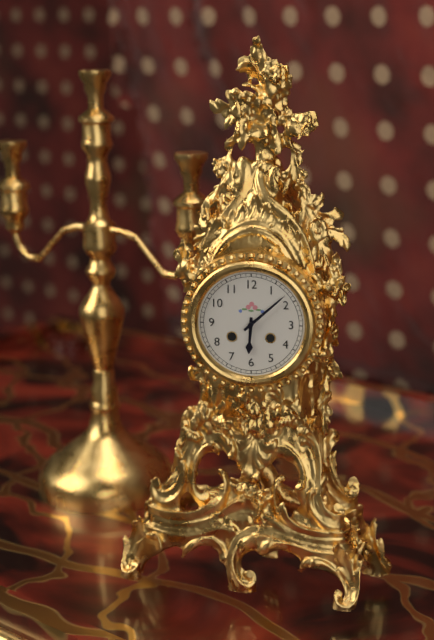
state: 6:08
